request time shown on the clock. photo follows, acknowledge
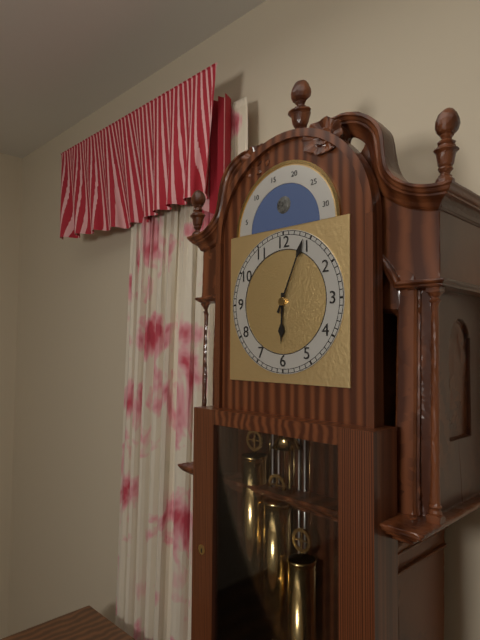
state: 6:04
